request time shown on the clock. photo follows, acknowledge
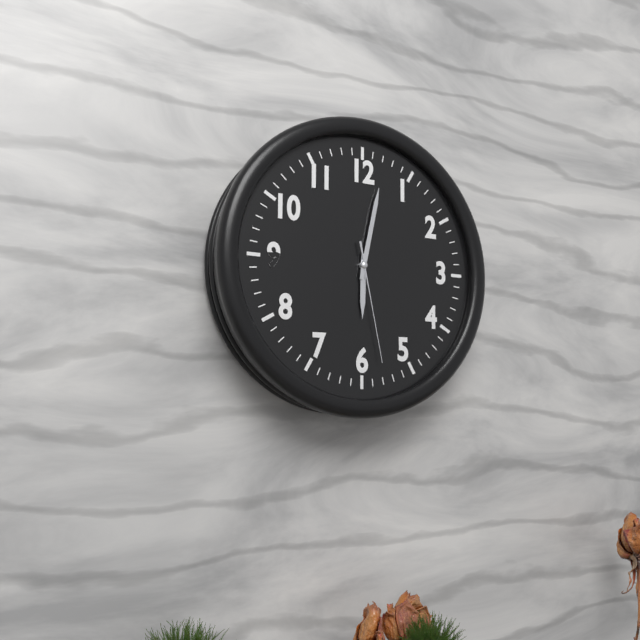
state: 6:02:28
